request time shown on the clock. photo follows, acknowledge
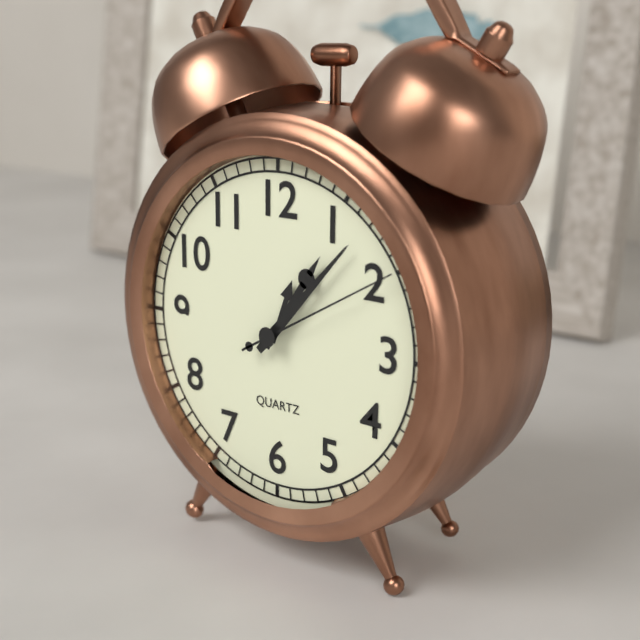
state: 1:07:10
